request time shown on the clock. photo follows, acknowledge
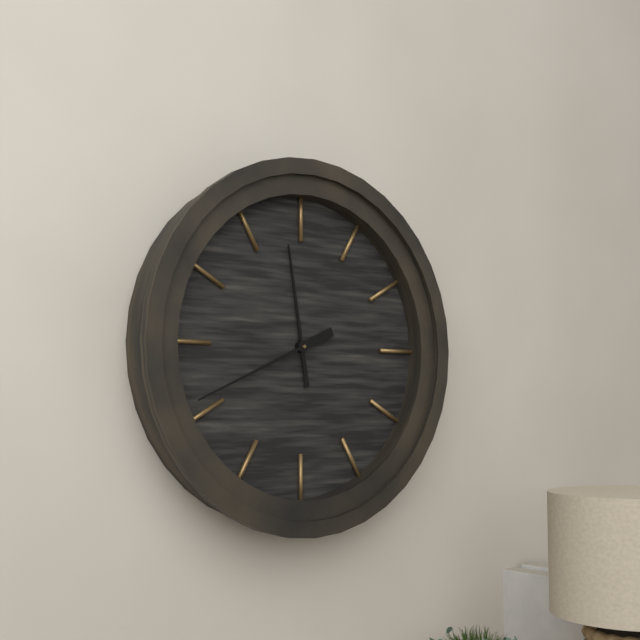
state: 11:41
